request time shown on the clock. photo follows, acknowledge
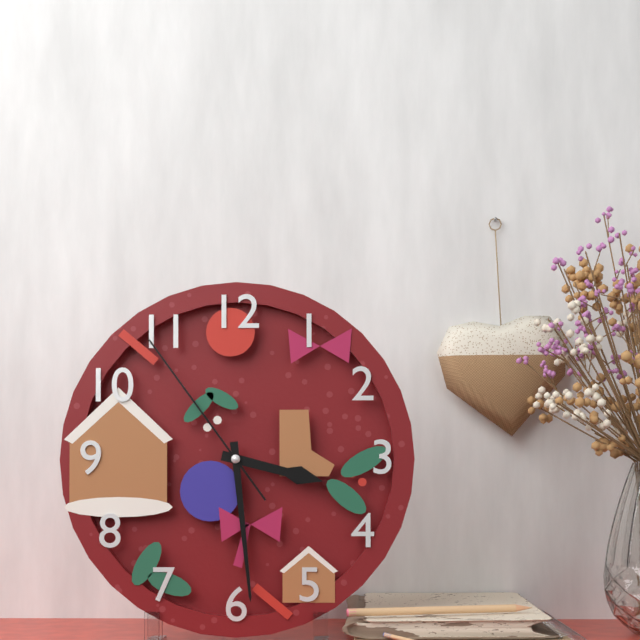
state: 3:29:54
